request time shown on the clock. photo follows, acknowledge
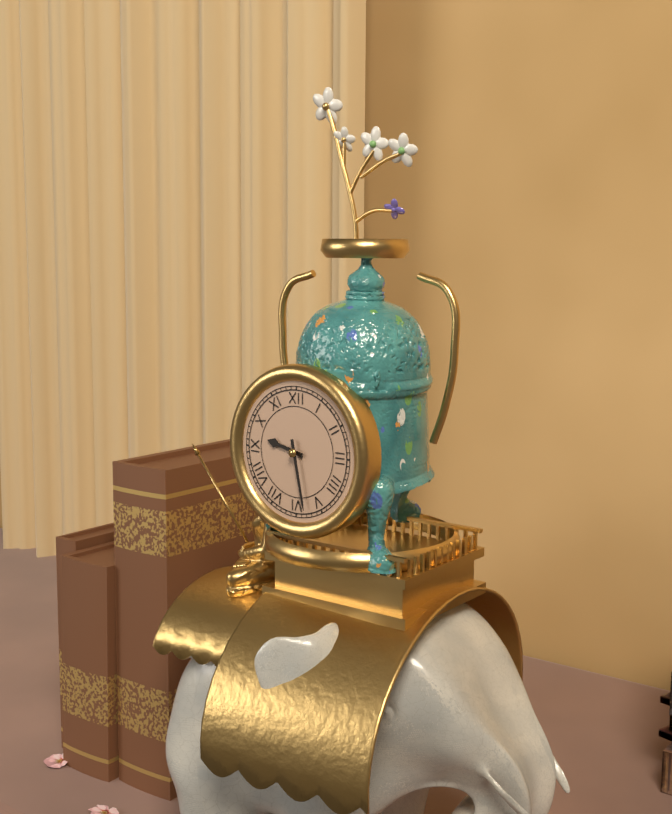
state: 9:28
